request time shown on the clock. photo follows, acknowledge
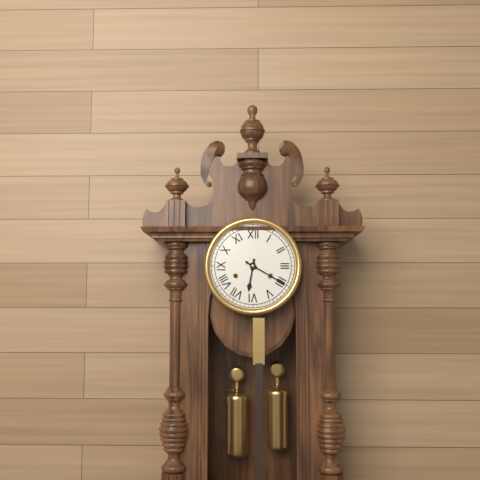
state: 6:20
